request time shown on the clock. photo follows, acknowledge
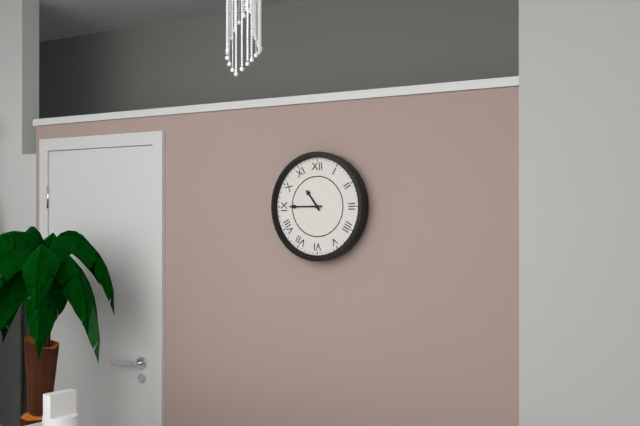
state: 10:45
